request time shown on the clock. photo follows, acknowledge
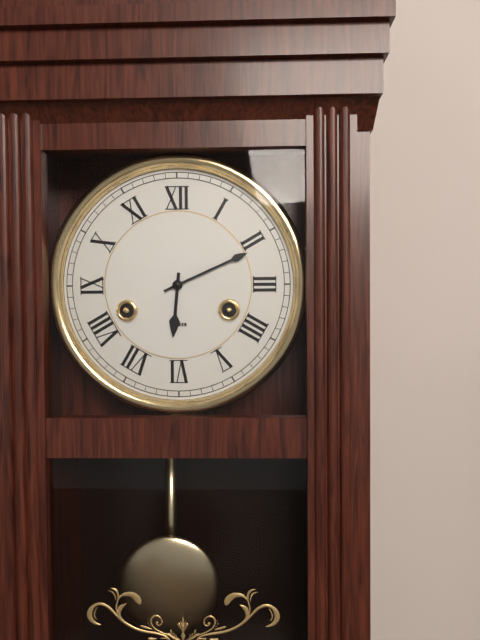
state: 6:11
